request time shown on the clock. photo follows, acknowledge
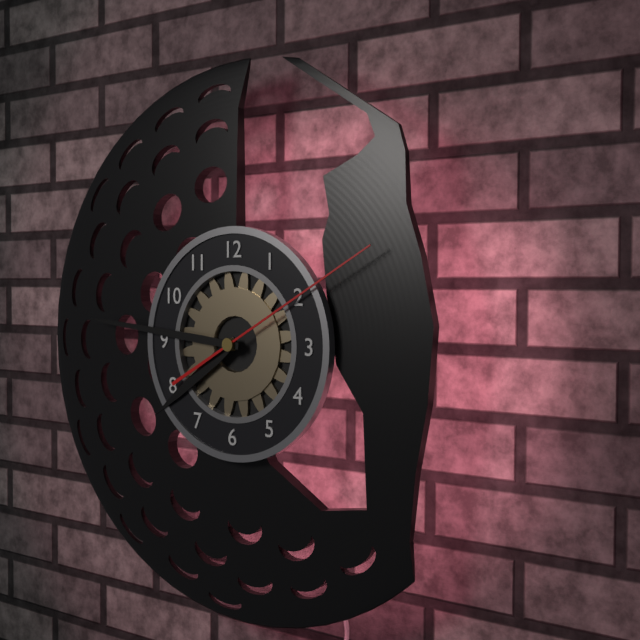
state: 7:46:10
